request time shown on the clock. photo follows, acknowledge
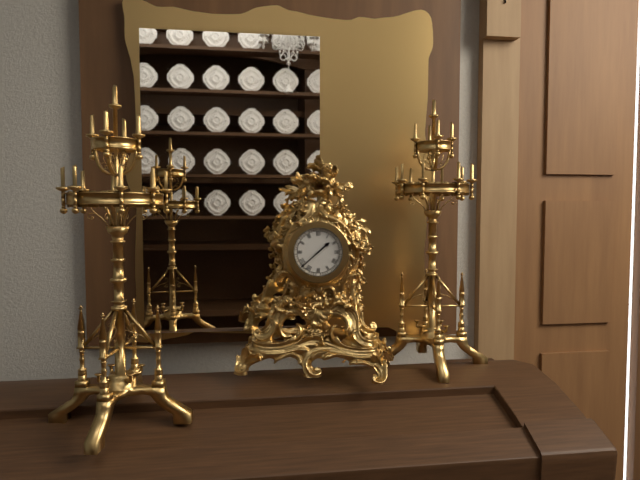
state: 1:38
